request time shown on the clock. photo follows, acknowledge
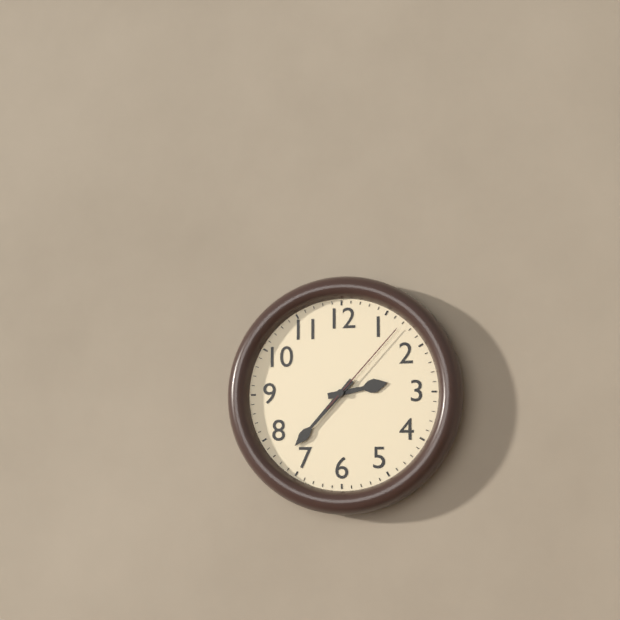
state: 2:37:07
